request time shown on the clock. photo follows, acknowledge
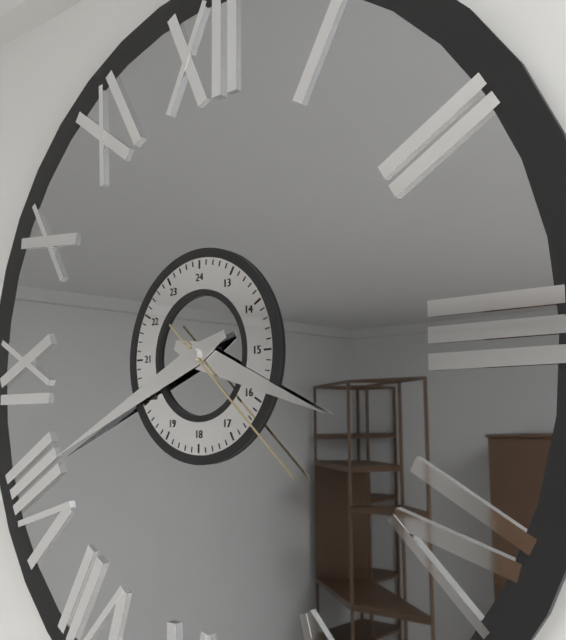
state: 3:41:22
